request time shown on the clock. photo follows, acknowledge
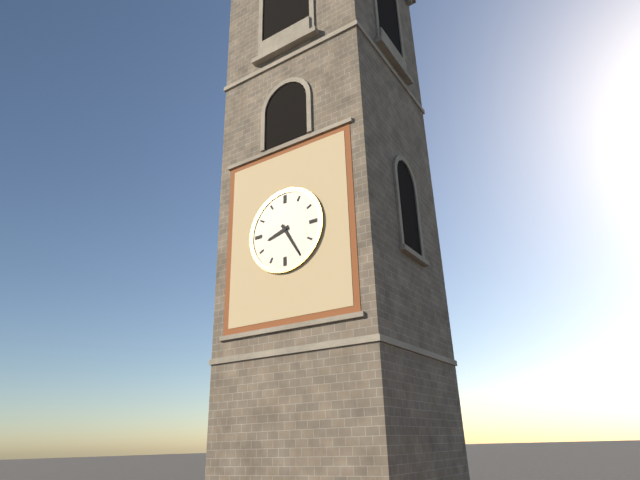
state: 8:25
